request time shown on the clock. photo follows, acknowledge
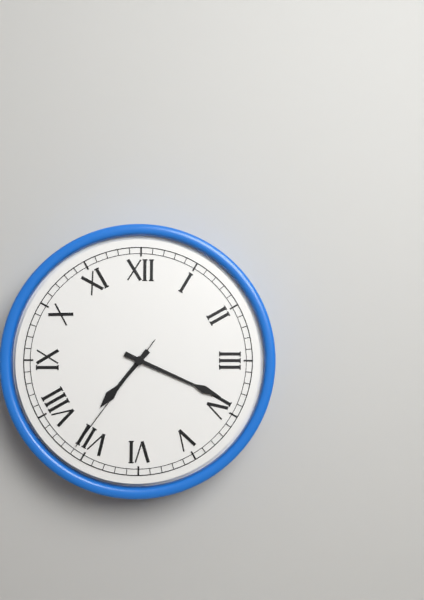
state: 7:19:36
